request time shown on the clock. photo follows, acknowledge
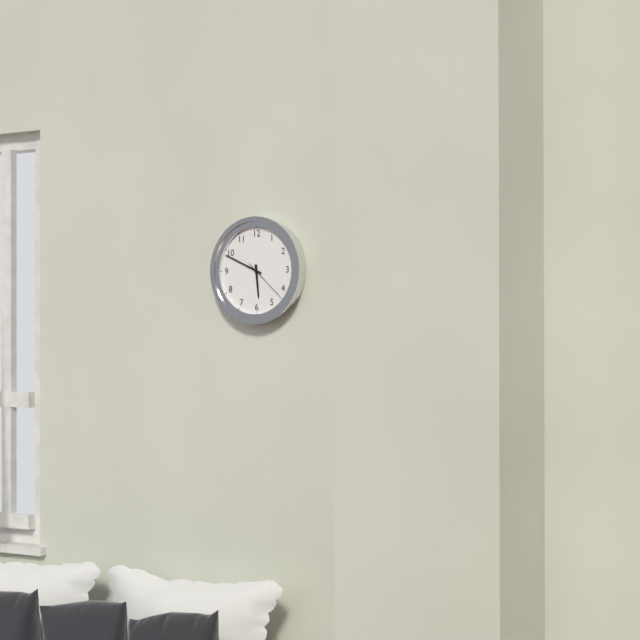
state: 5:49
